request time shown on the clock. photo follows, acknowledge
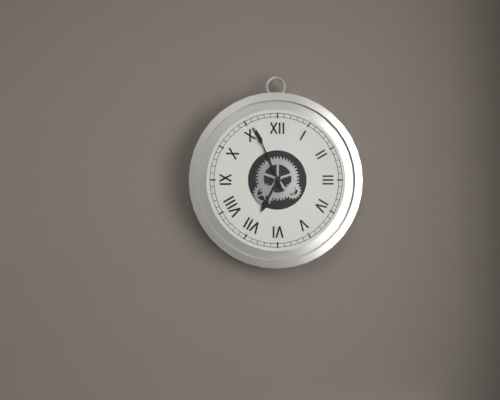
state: 6:56
